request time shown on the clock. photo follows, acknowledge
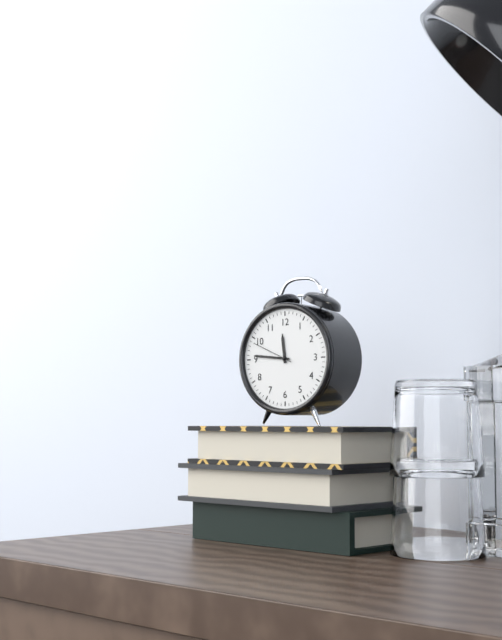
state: 11:46
